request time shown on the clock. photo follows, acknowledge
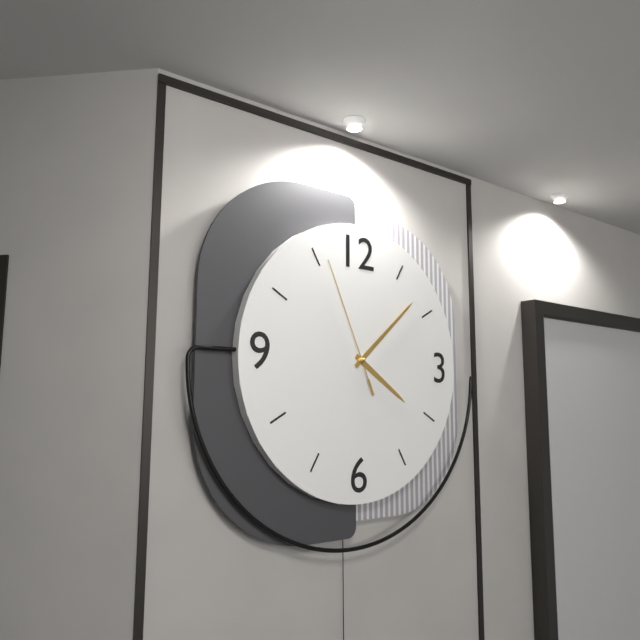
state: 4:08:56
